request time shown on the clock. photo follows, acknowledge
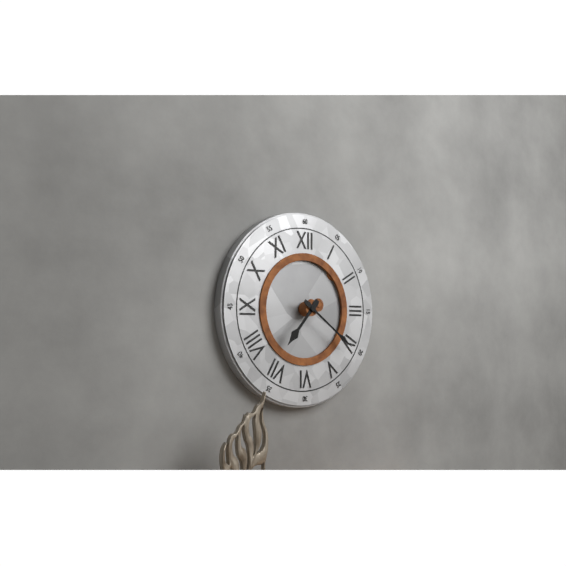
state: 7:21
